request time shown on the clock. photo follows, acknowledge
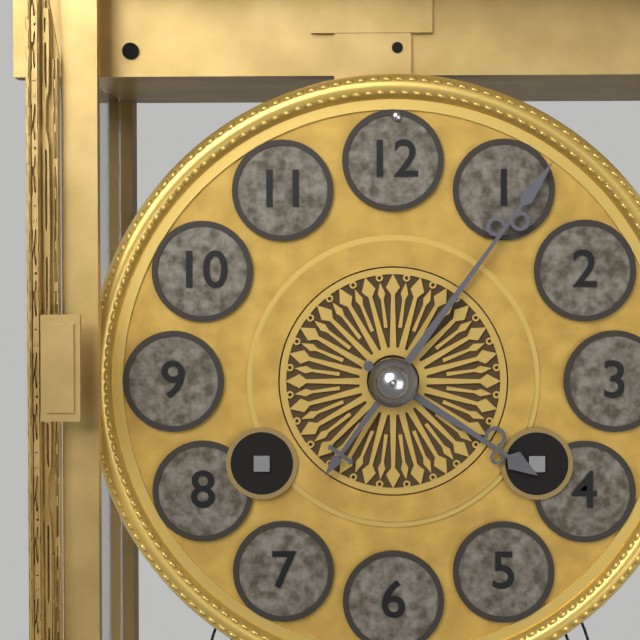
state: 4:06
